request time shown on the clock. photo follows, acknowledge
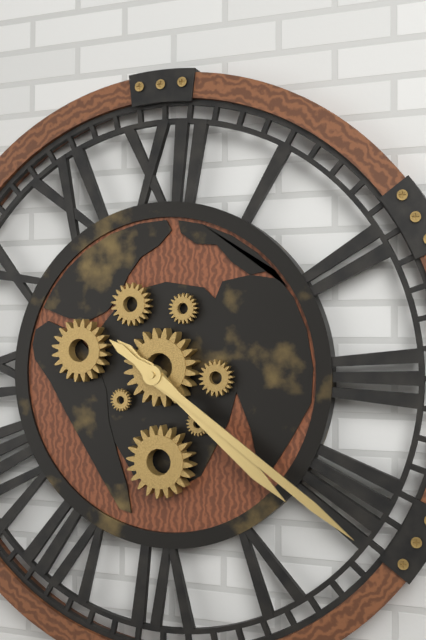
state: 4:21
